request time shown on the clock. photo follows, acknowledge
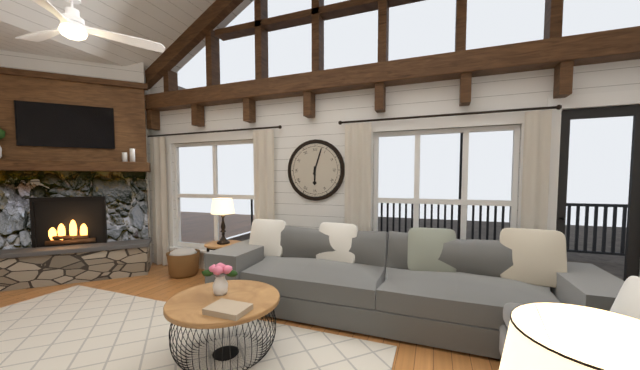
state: 6:03
